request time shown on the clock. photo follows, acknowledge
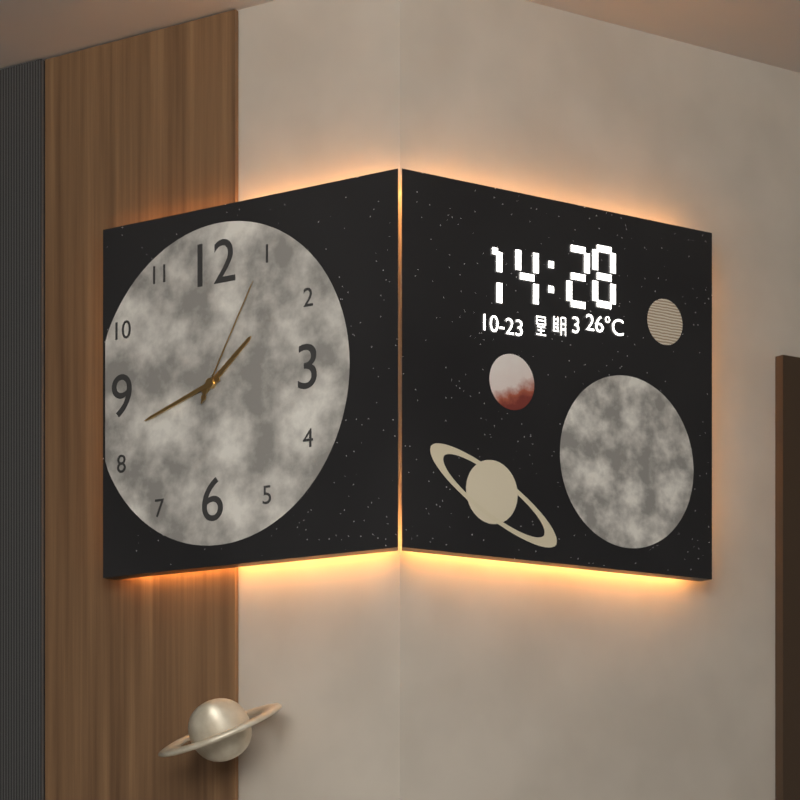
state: 1:42:05
